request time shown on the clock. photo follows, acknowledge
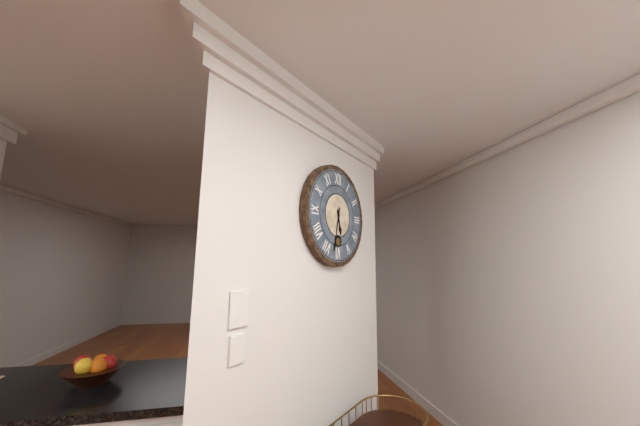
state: 5:32
